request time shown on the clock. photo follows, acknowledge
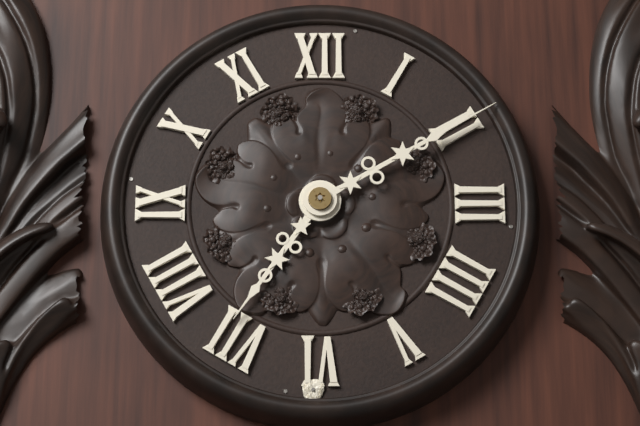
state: 7:10
